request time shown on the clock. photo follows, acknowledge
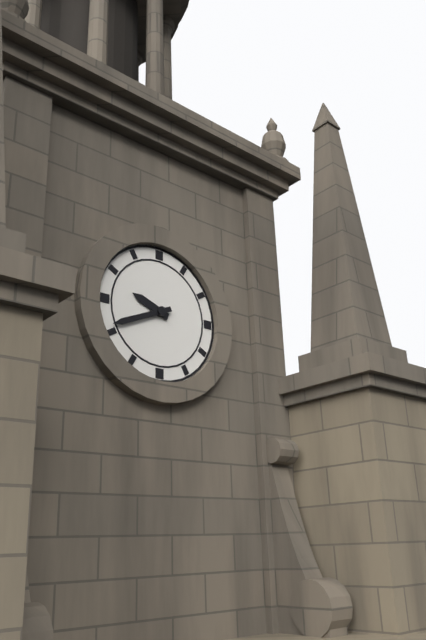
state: 9:41
